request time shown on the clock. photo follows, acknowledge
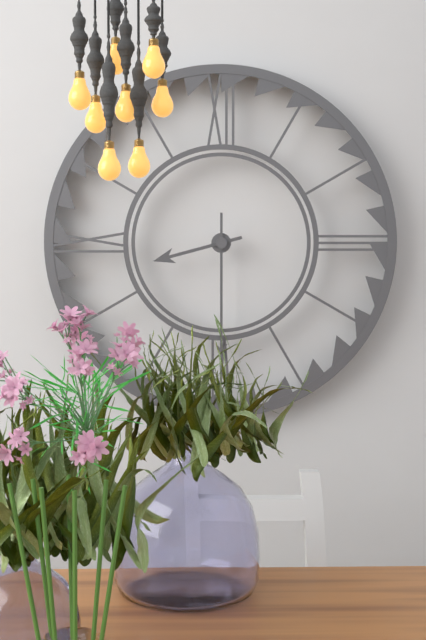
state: 8:30
